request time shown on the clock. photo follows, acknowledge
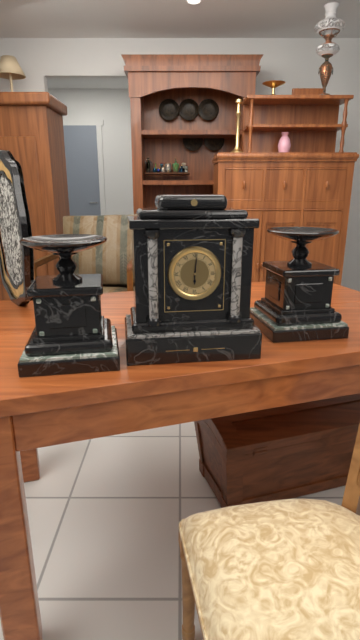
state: 6:01
